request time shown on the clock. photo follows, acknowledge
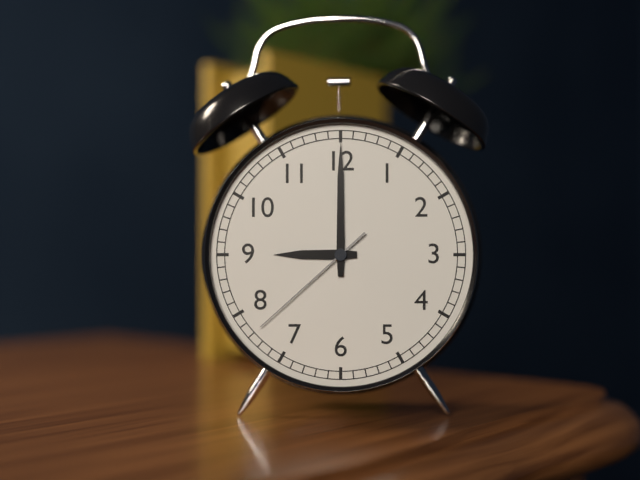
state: 9:00:38
